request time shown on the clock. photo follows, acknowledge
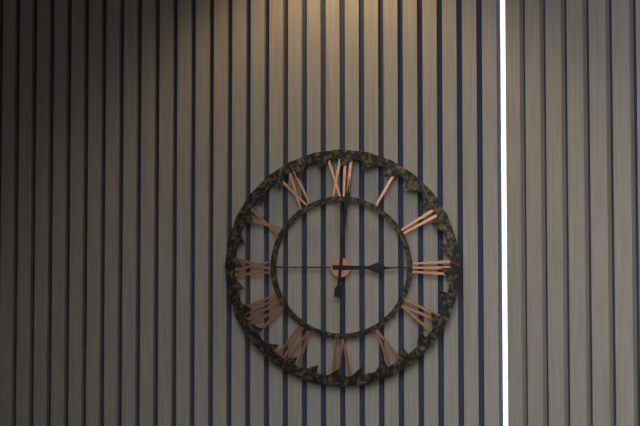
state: 3:01
